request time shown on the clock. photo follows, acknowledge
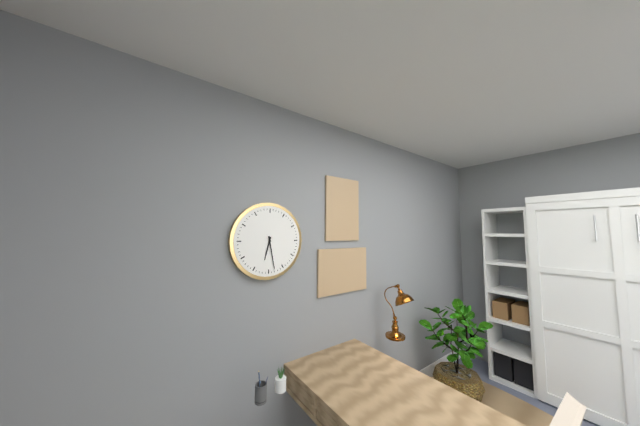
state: 6:28
